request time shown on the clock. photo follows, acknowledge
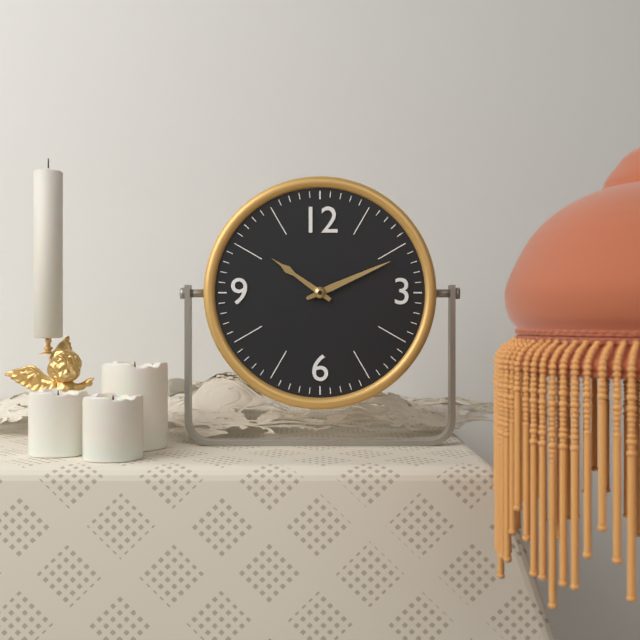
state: 10:11
